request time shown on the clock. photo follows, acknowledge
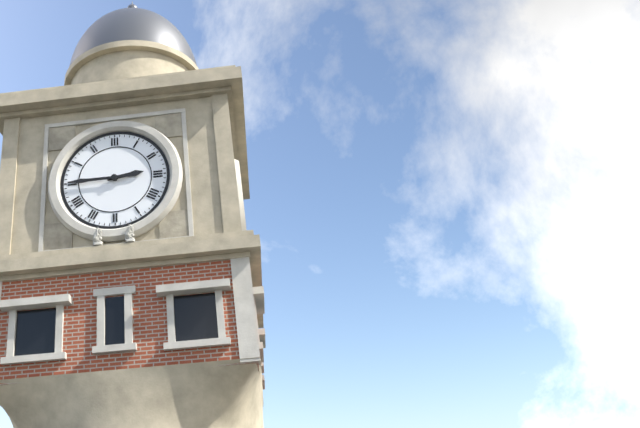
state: 2:45
